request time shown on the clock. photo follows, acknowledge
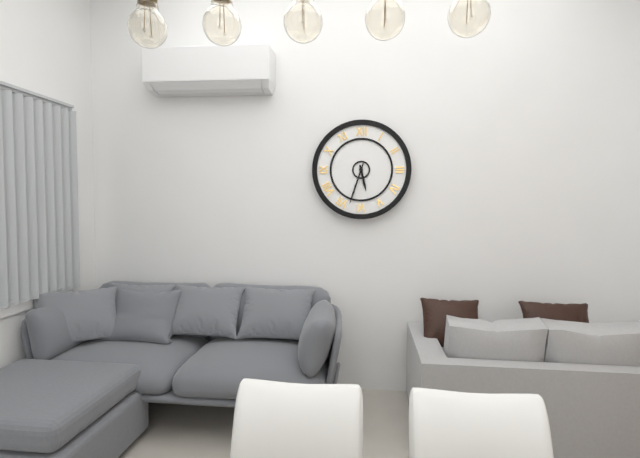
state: 5:33
